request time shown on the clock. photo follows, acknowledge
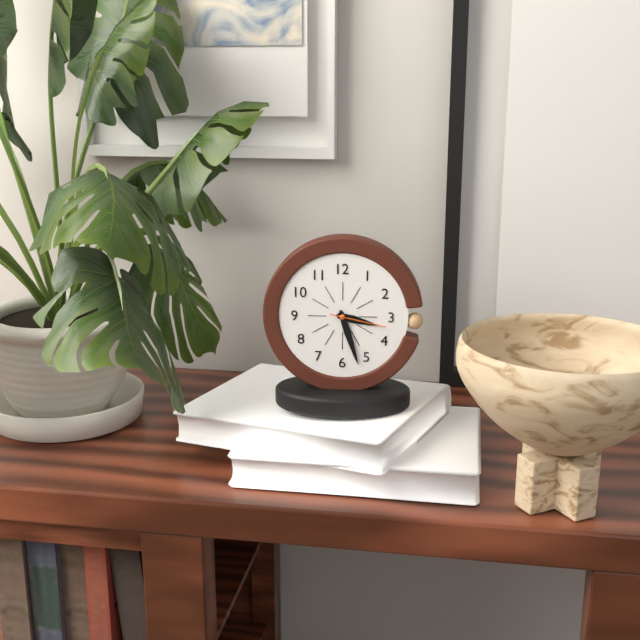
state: 3:27:17
